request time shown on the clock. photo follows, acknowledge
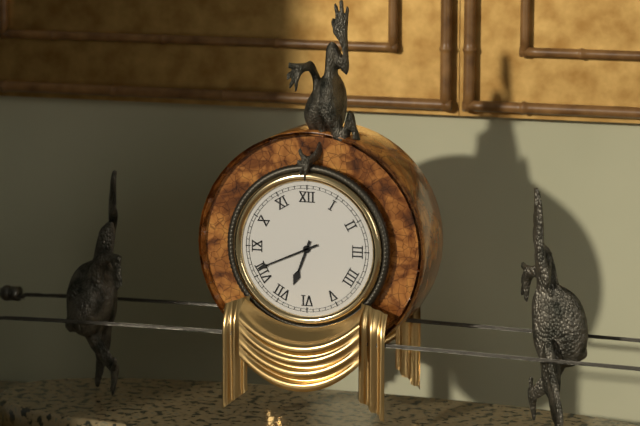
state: 6:41
